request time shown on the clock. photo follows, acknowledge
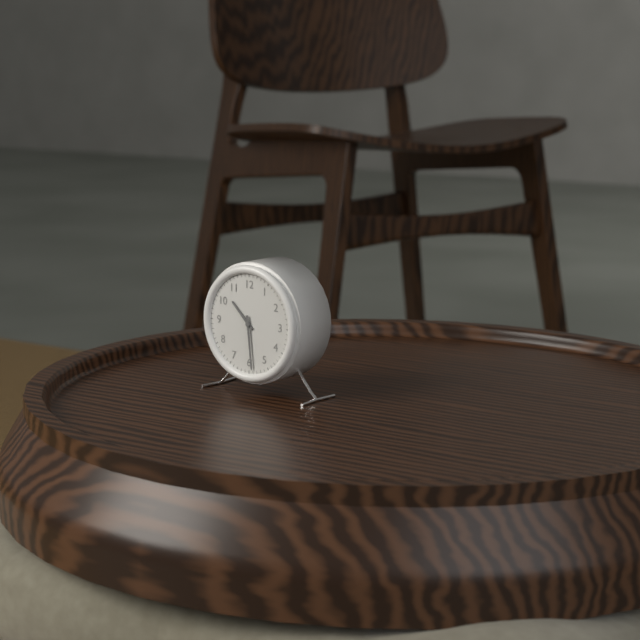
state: 10:29
